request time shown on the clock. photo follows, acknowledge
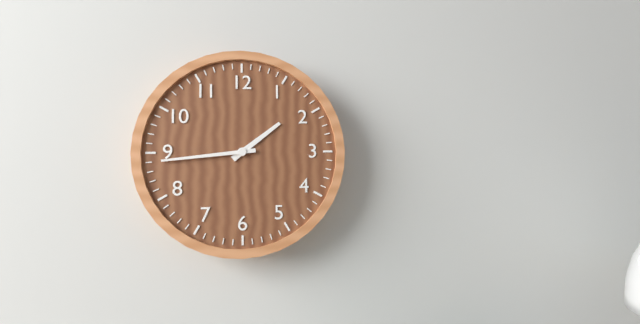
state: 1:44
